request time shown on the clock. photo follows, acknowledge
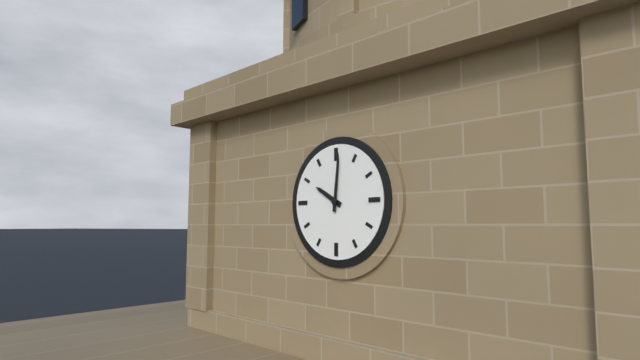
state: 10:01
